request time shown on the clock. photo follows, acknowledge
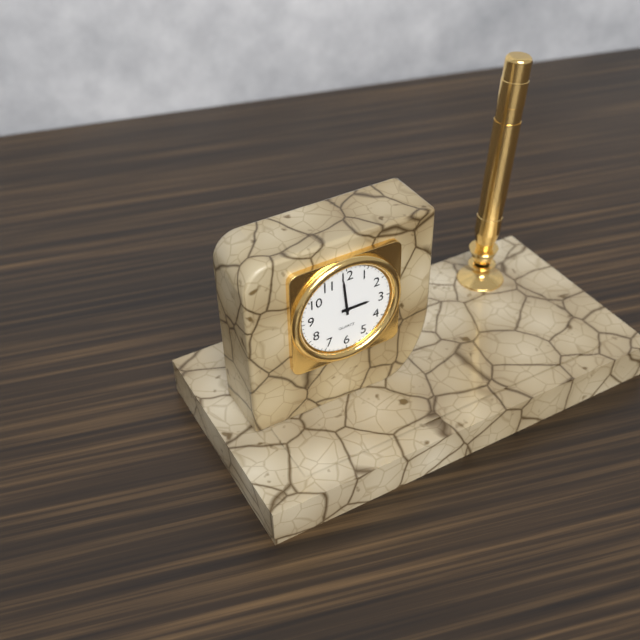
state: 2:59
